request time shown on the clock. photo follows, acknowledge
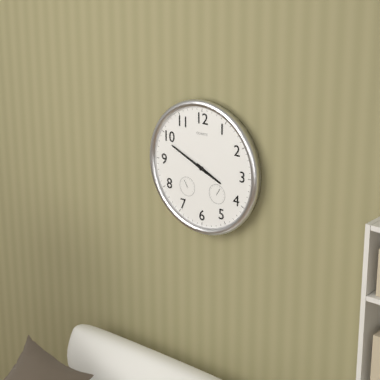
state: 3:49
